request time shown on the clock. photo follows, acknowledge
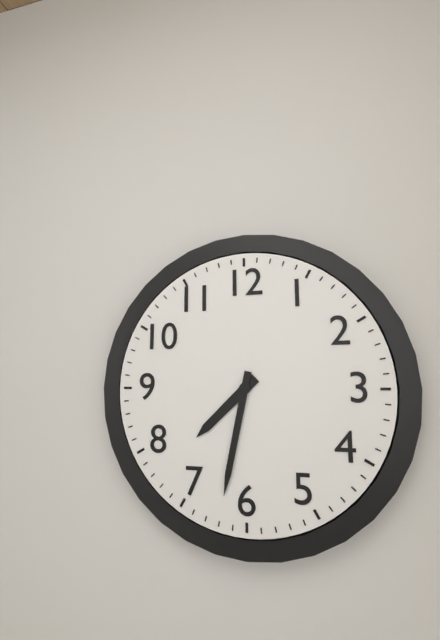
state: 7:32
